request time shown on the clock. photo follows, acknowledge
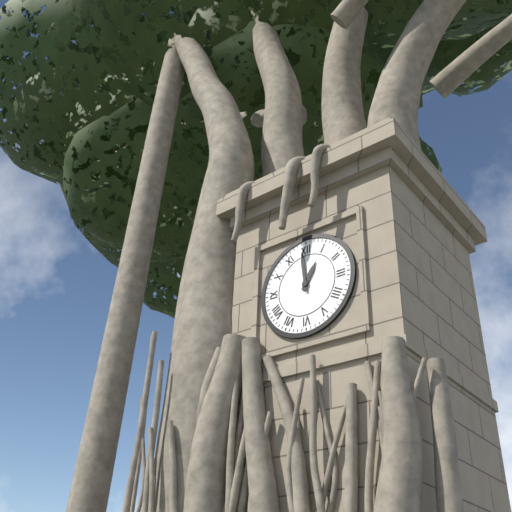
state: 12:59
